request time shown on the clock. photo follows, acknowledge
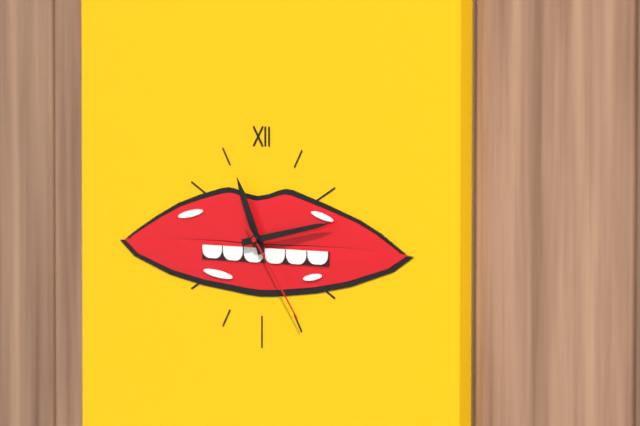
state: 11:13:24
